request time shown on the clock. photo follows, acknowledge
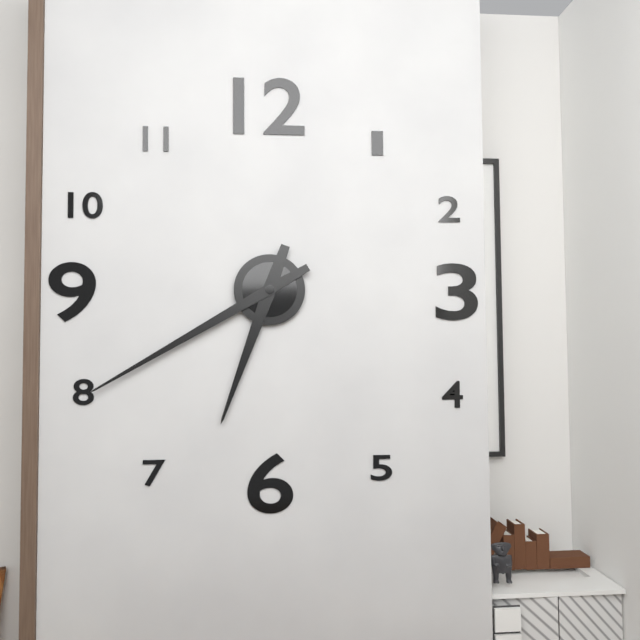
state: 6:40
